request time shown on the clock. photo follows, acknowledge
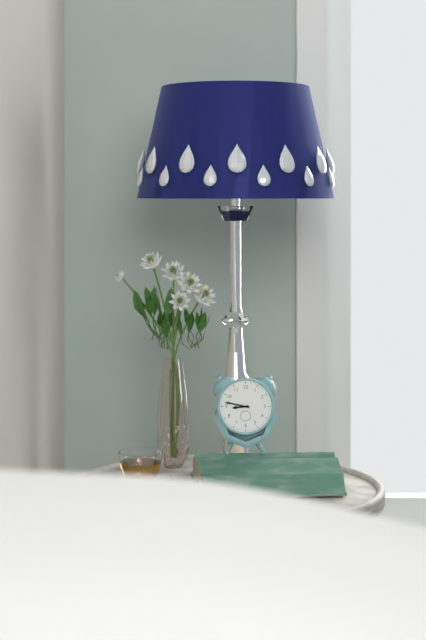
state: 8:47
